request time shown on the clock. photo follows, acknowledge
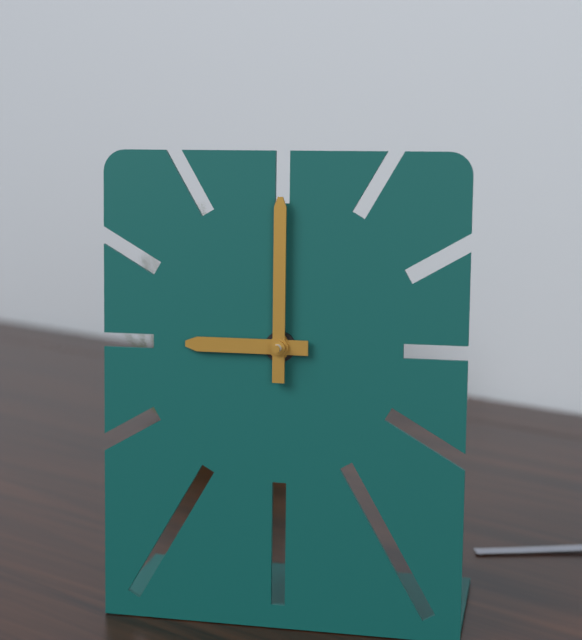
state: 9:00
